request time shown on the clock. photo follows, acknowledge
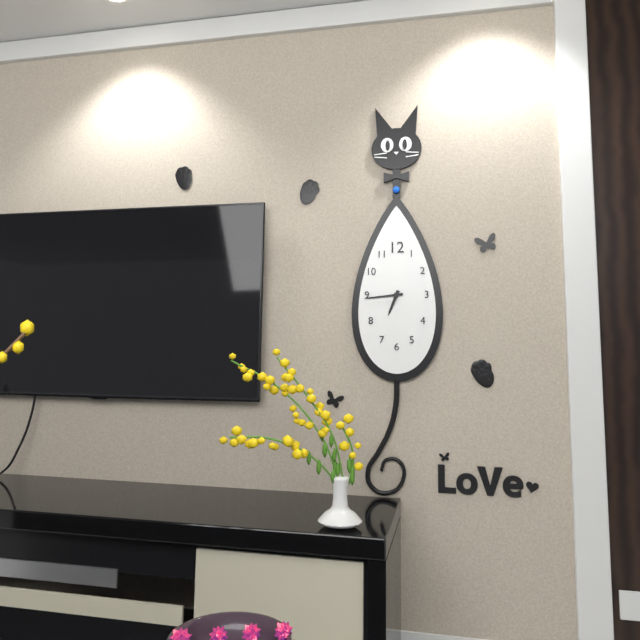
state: 6:44
